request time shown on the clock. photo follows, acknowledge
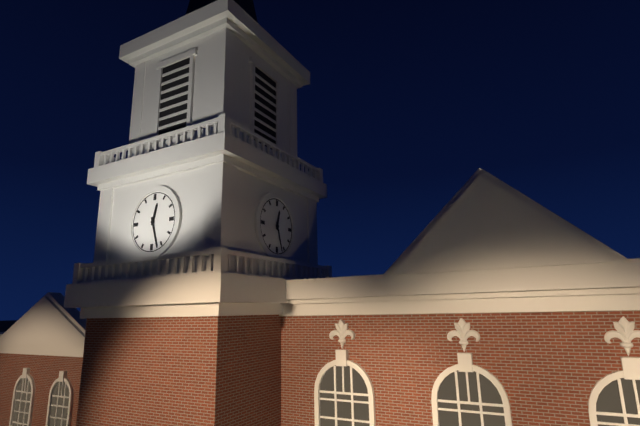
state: 12:27
